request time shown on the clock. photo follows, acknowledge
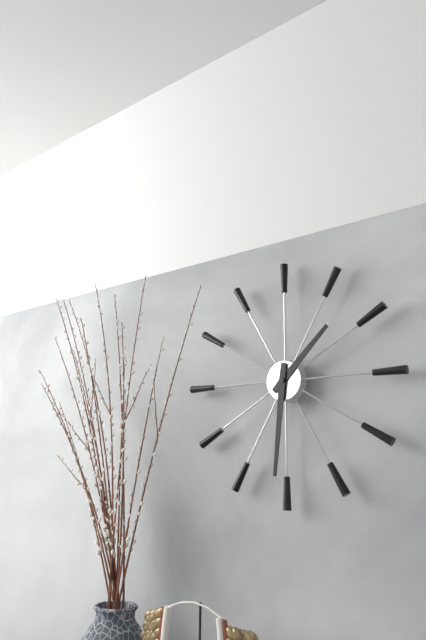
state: 1:31
